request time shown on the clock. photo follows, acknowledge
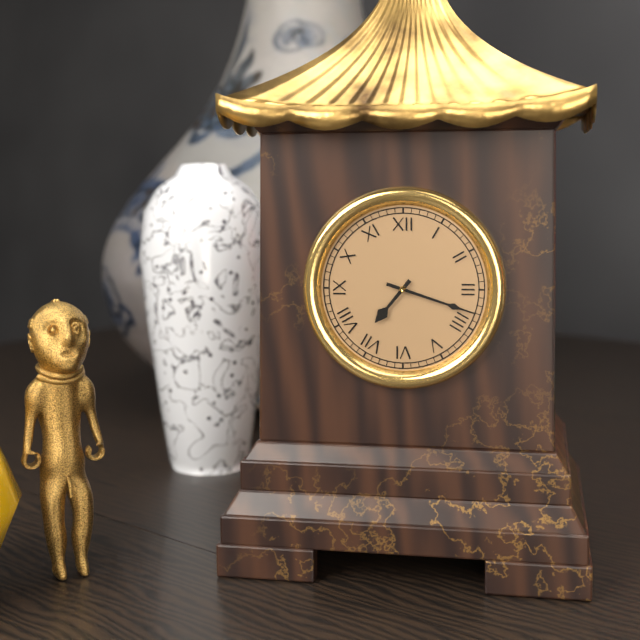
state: 7:18
